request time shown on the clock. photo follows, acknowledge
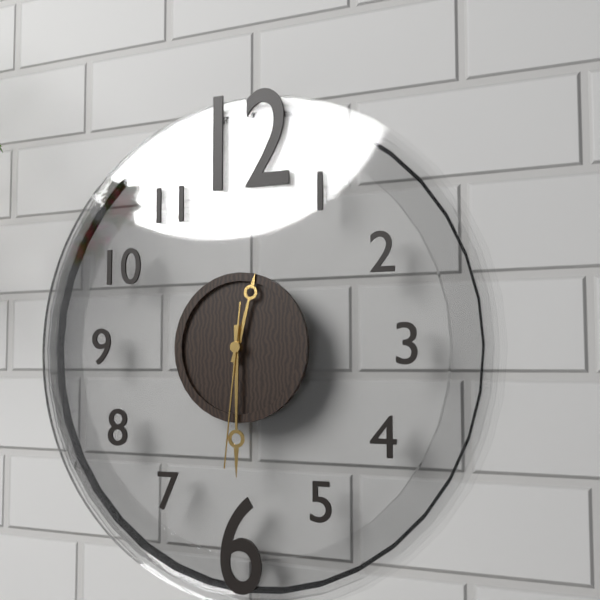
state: 12:30:31
